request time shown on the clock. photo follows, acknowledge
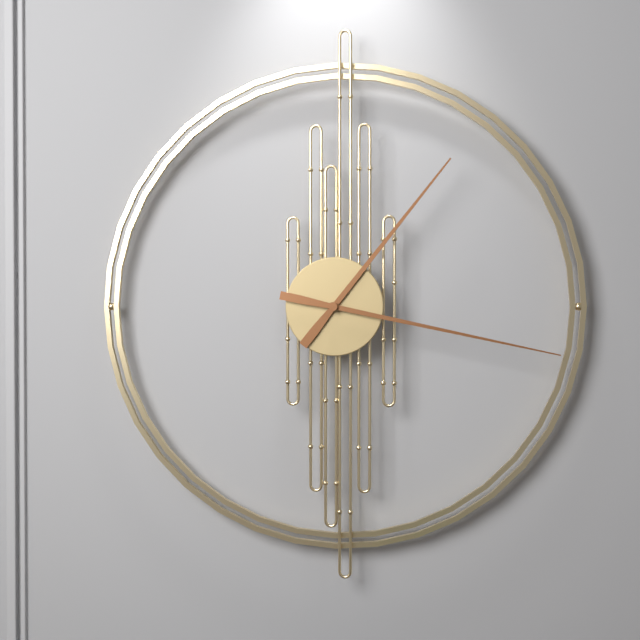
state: 1:17
